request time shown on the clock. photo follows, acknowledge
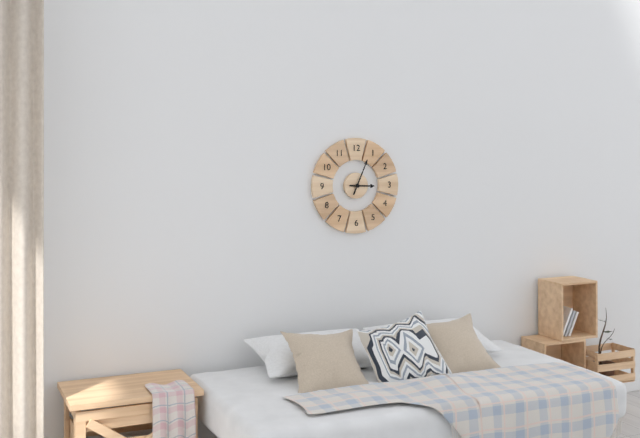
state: 3:04
